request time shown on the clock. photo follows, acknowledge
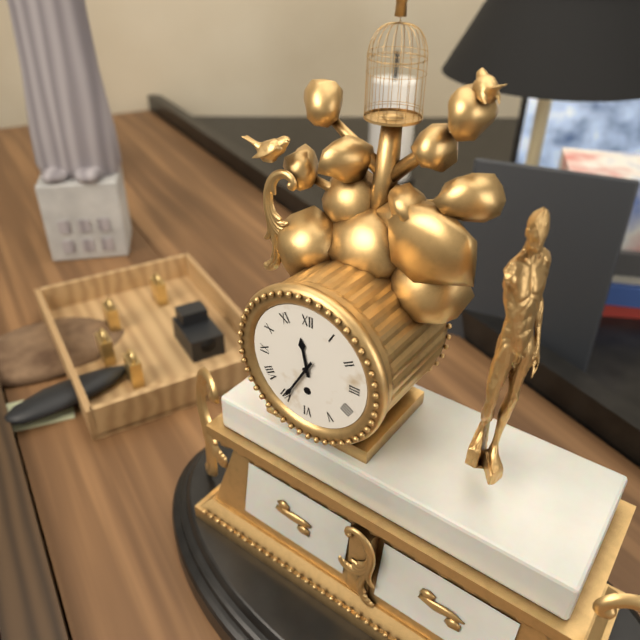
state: 11:35
